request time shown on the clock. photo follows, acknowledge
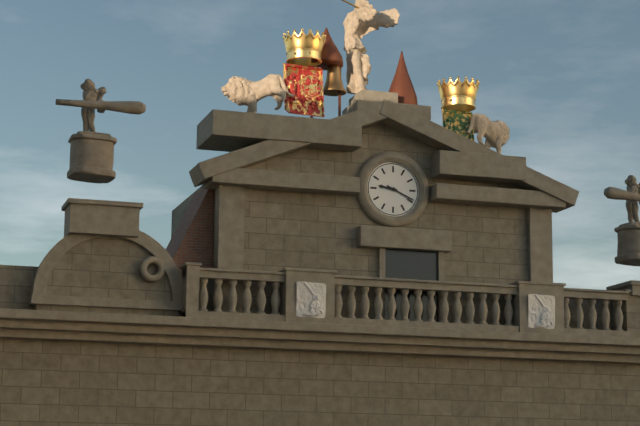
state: 9:19
